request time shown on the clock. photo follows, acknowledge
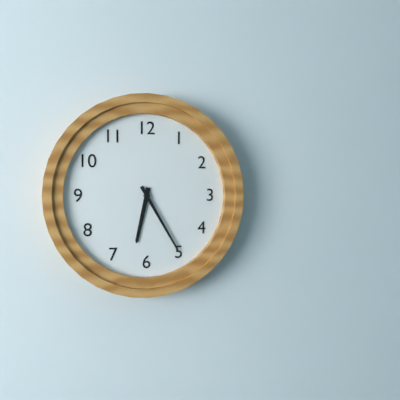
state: 6:25
